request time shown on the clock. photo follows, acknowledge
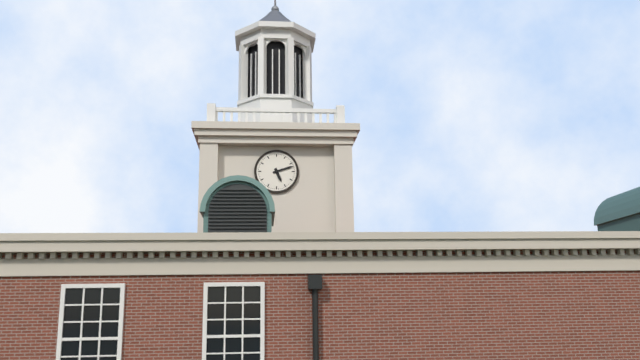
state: 5:12
